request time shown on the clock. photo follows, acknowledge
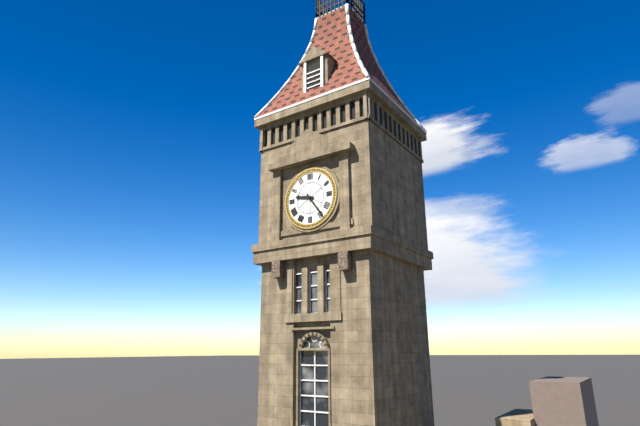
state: 9:24
